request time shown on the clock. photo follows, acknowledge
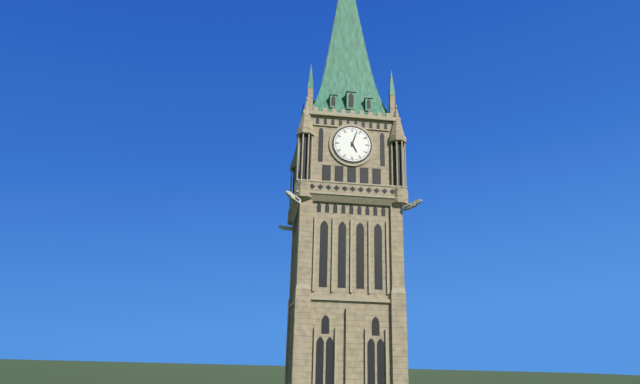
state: 5:03
